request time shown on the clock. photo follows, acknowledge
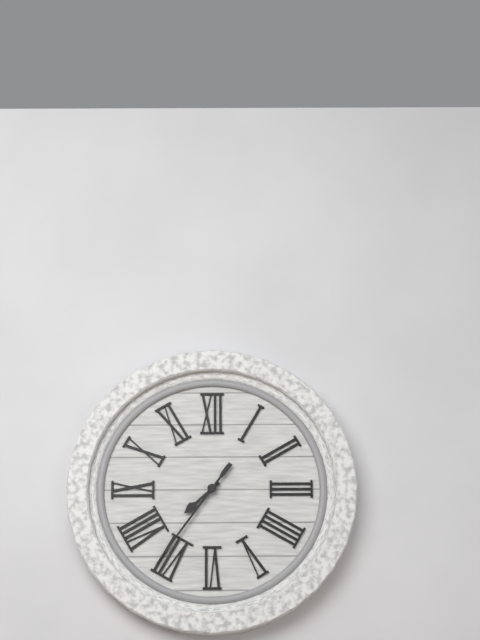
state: 7:36
